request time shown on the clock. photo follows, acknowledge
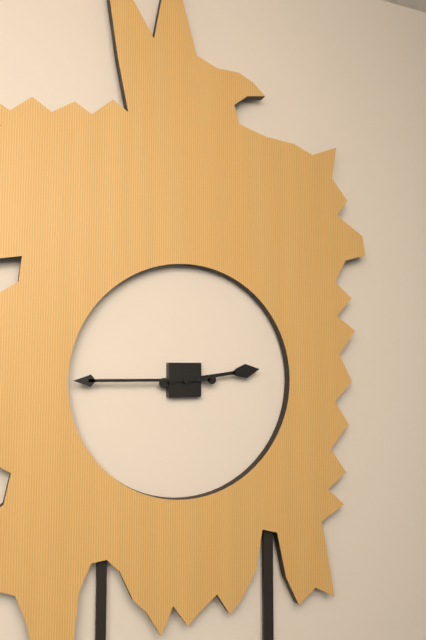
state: 2:45
